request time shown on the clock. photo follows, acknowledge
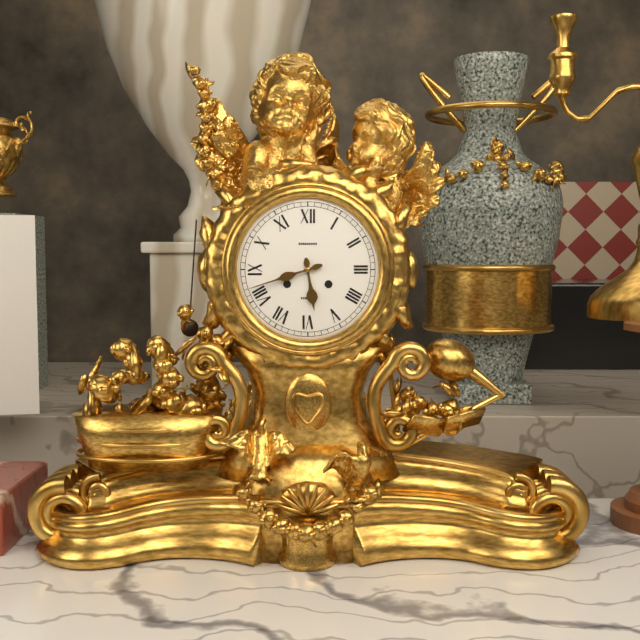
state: 5:42
